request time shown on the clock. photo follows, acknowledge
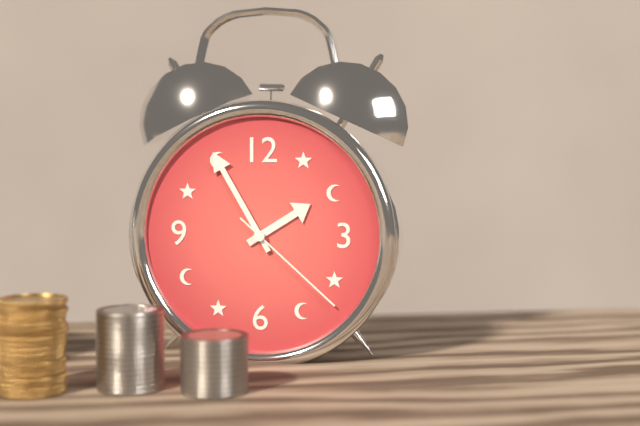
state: 1:55:22
